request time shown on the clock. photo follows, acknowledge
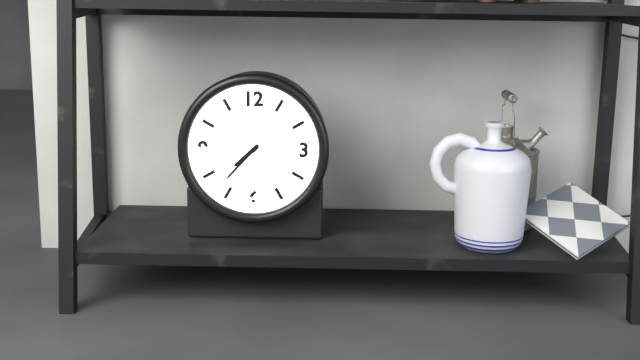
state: 7:37
